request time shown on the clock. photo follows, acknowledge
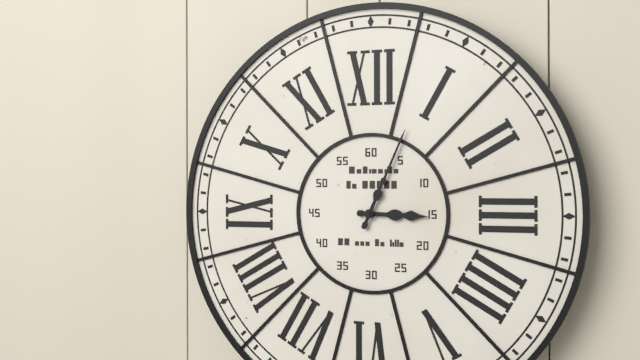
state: 3:04
